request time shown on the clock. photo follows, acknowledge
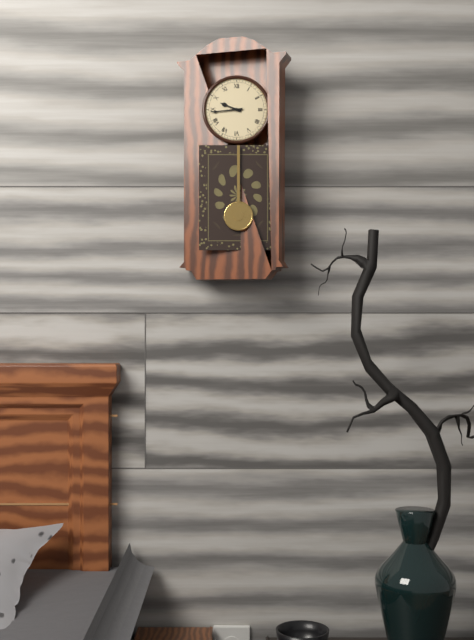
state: 9:44
